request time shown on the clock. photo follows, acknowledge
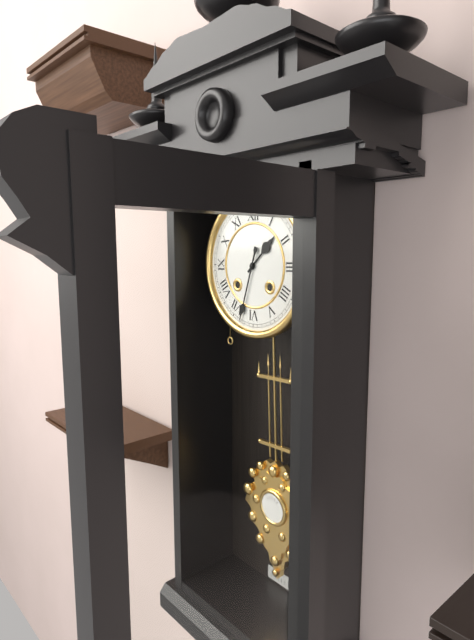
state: 1:33
